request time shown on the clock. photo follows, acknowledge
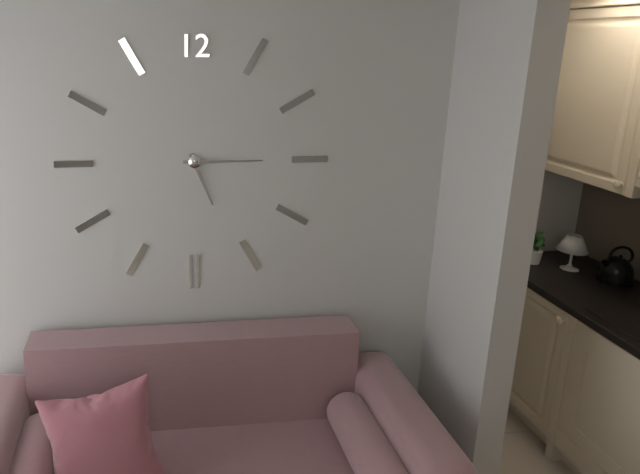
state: 5:15
